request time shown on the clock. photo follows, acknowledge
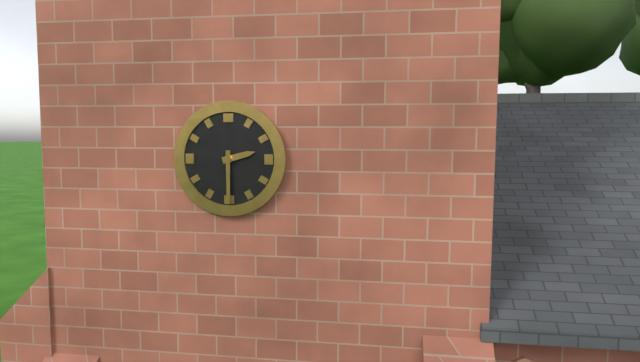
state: 2:30
